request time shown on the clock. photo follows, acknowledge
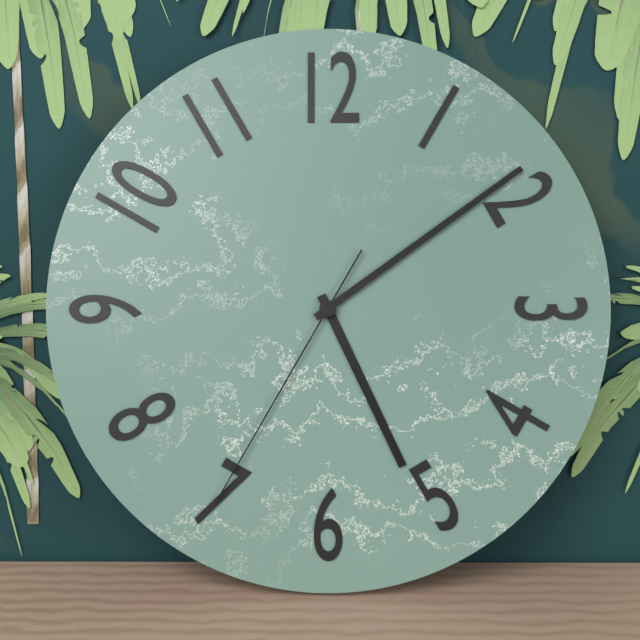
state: 5:09:35
